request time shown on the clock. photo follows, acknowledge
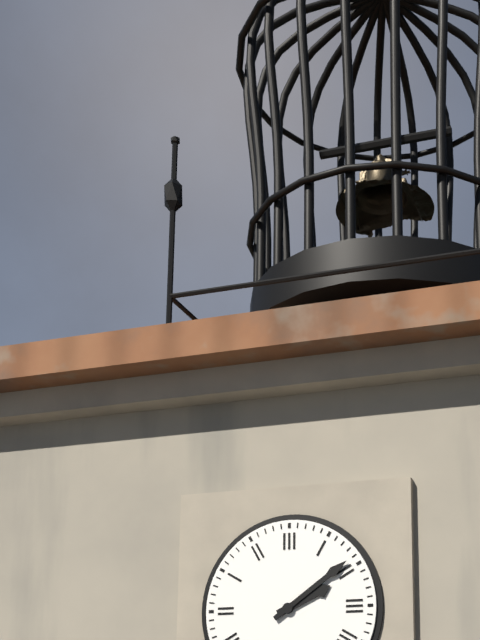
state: 2:09
